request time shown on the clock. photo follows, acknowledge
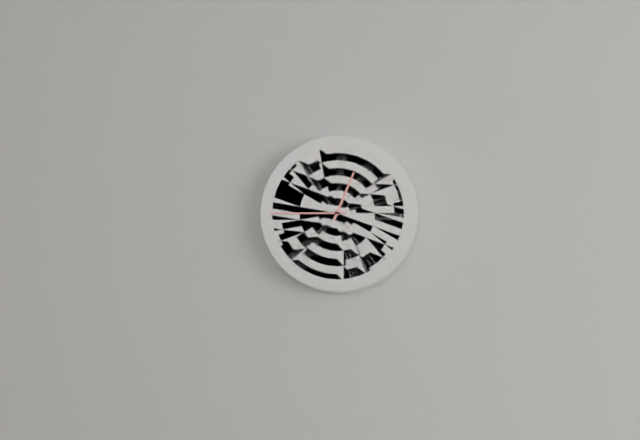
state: 12:45
